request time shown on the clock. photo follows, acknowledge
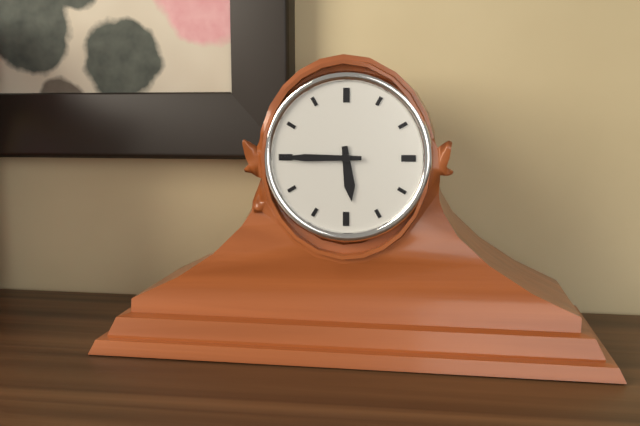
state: 5:45
